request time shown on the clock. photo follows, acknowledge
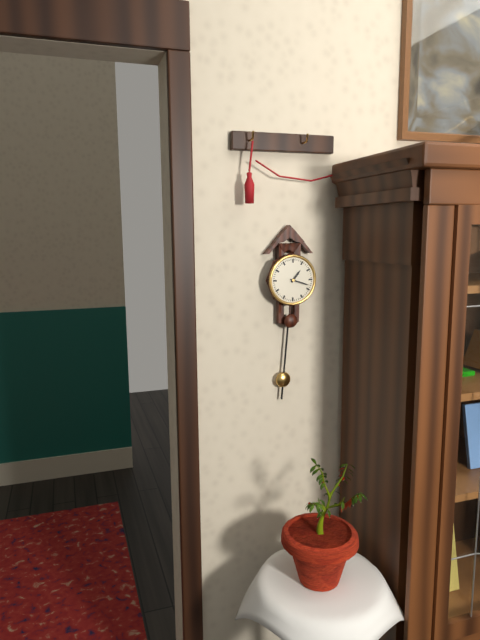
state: 1:18
